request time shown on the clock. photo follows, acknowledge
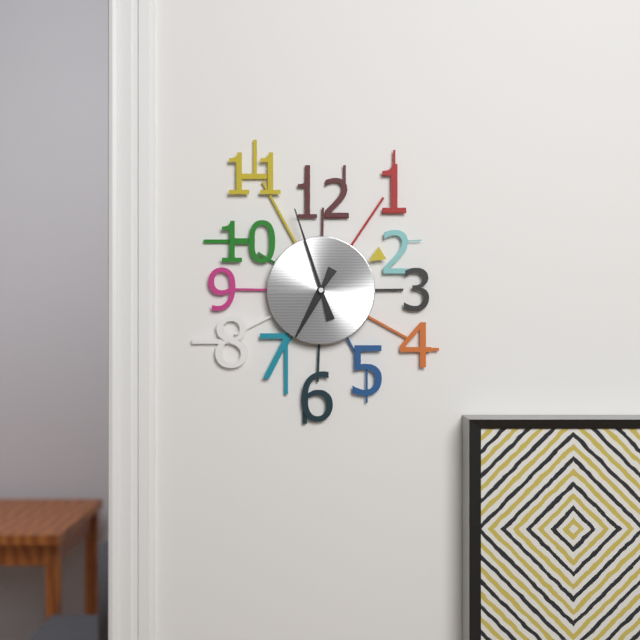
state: 6:57
